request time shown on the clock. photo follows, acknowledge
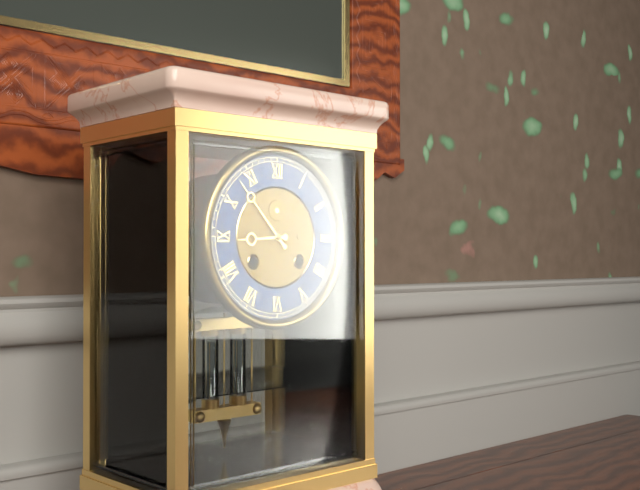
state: 8:53
